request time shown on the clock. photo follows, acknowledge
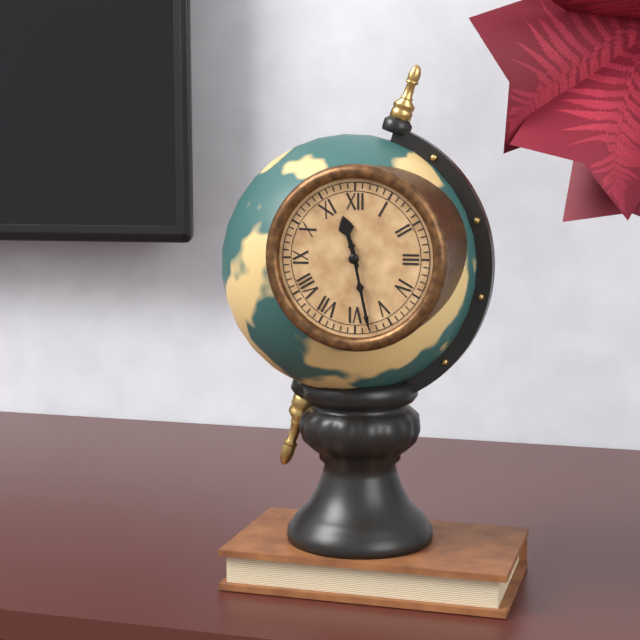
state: 11:28
